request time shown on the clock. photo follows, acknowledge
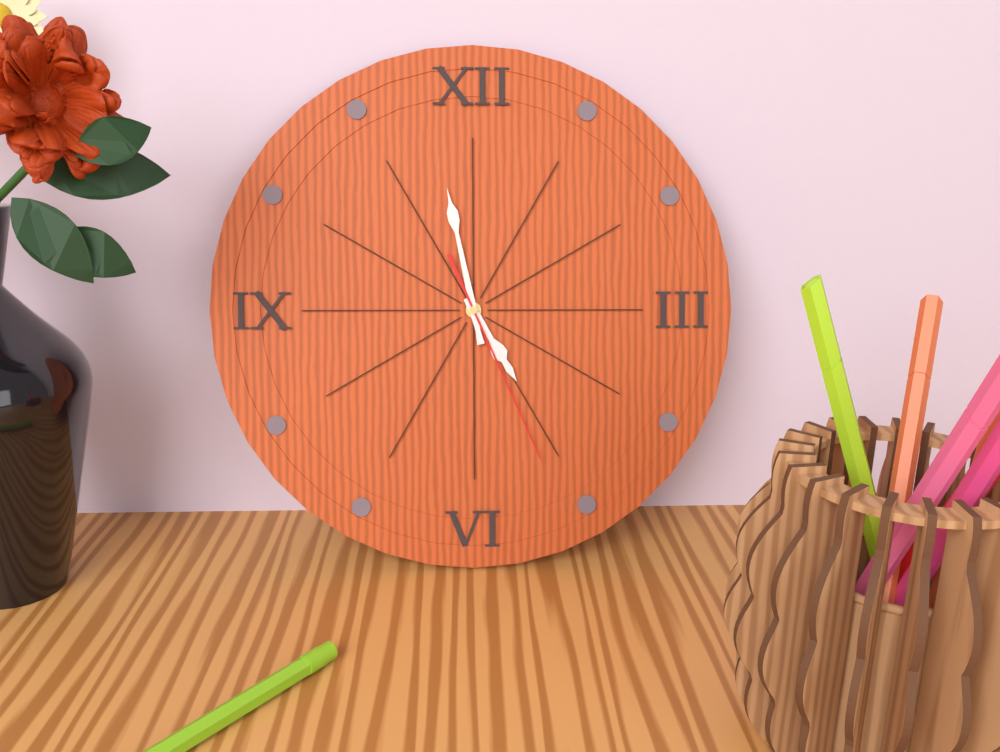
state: 4:58:26
